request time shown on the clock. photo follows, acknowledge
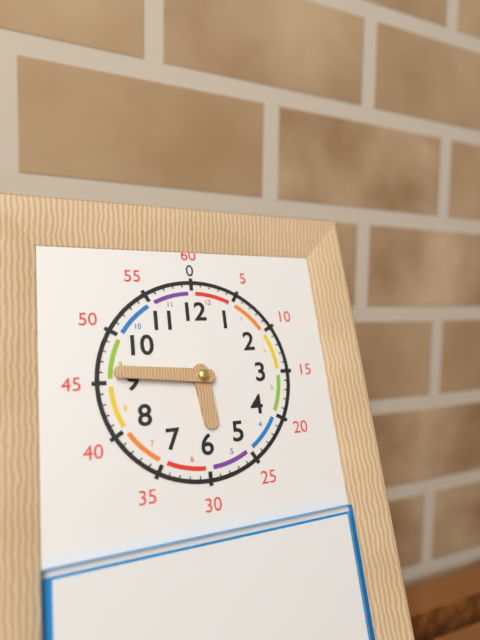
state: 5:46
